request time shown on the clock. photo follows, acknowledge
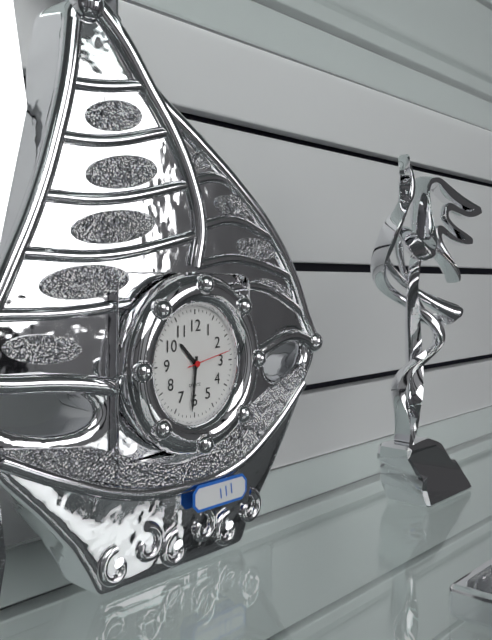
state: 10:31
